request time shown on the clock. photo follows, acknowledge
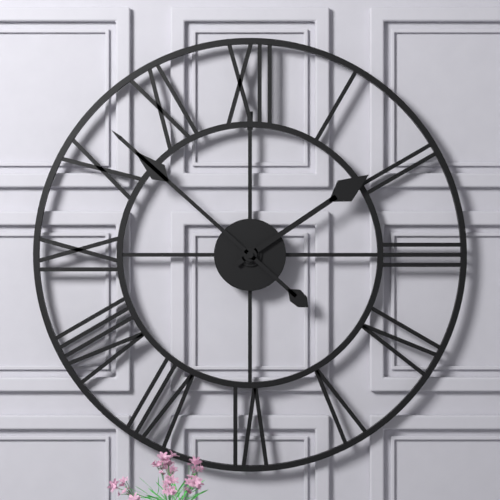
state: 1:52
